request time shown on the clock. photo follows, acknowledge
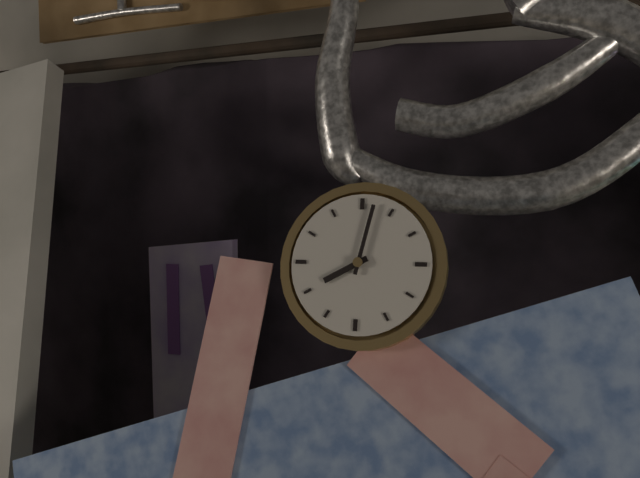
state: 8:02
